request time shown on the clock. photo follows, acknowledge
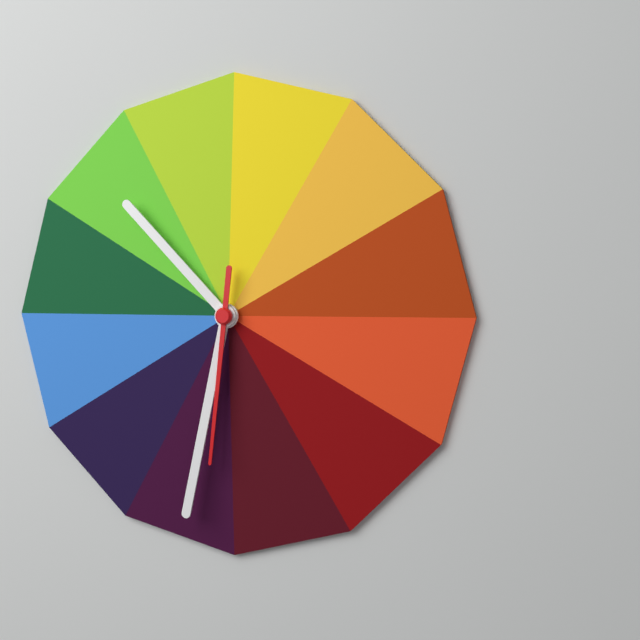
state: 10:32:31
